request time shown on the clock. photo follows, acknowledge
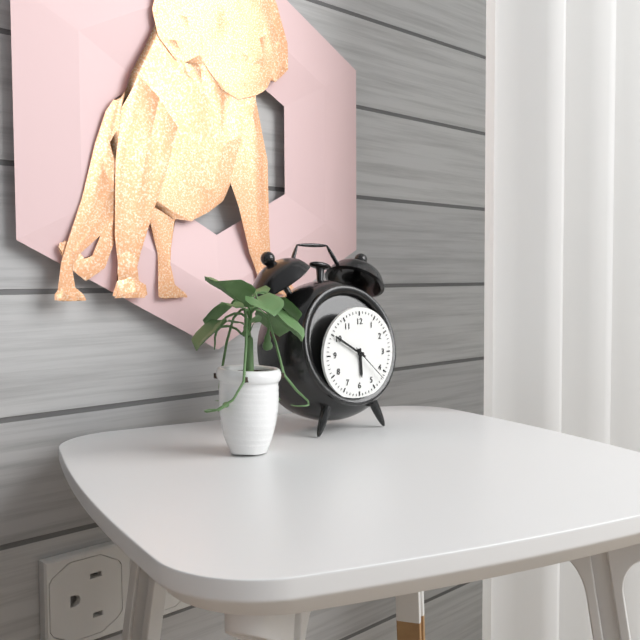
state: 5:50
